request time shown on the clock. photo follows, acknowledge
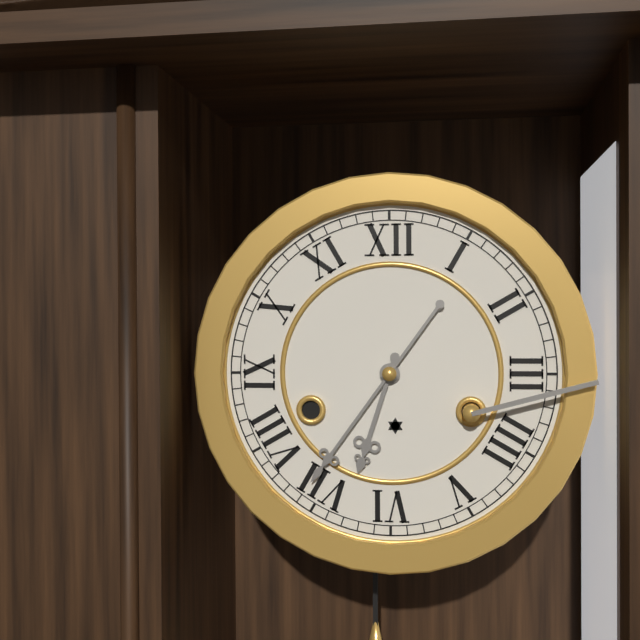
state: 6:36
